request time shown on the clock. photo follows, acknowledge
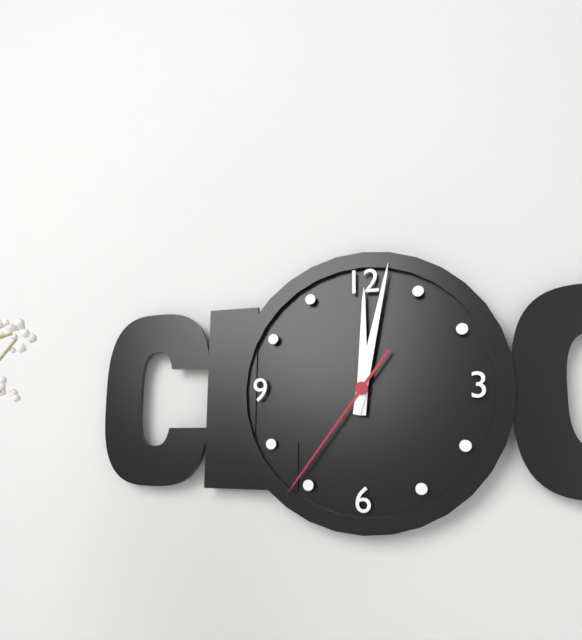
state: 12:02:36
